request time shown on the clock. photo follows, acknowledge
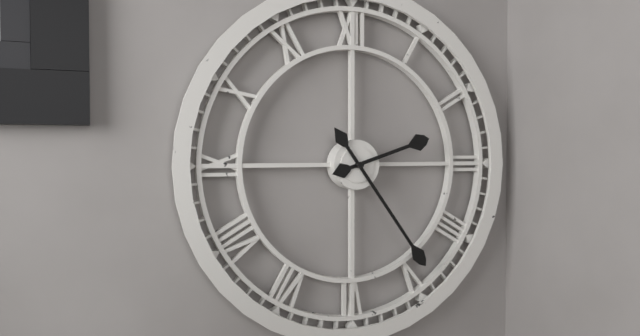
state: 2:24
